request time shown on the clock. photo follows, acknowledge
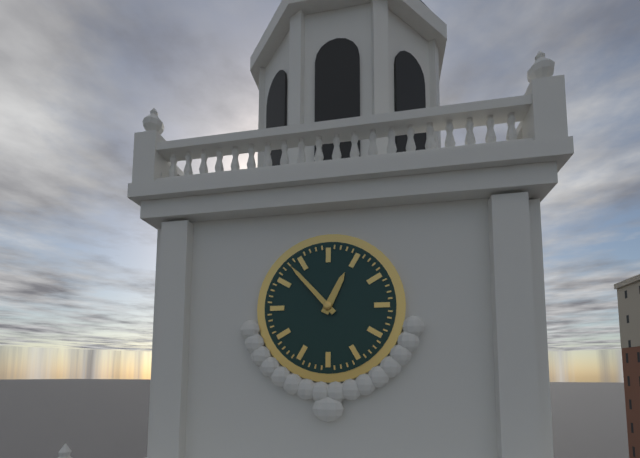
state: 12:53
